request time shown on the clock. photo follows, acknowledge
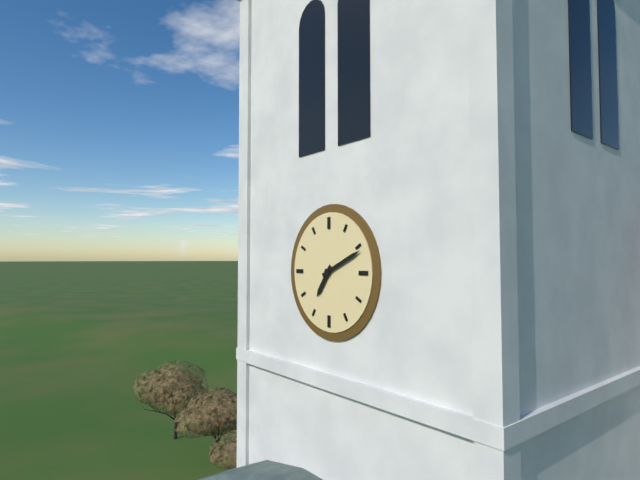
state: 7:11
